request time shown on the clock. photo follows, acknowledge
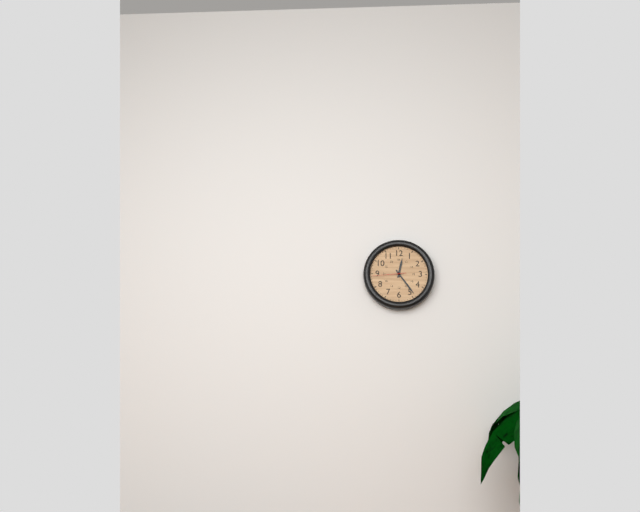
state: 12:24
